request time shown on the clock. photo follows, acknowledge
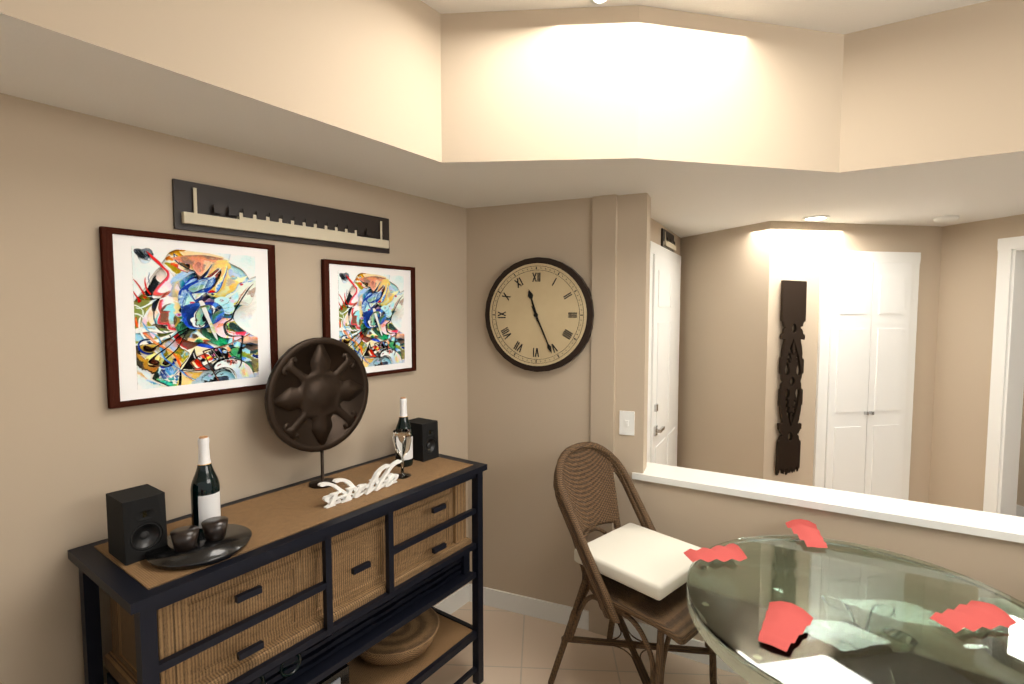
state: 11:26
